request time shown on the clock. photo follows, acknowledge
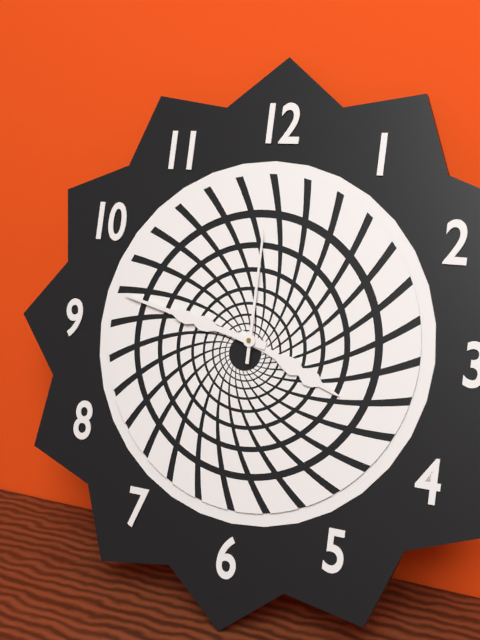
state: 3:47:00
